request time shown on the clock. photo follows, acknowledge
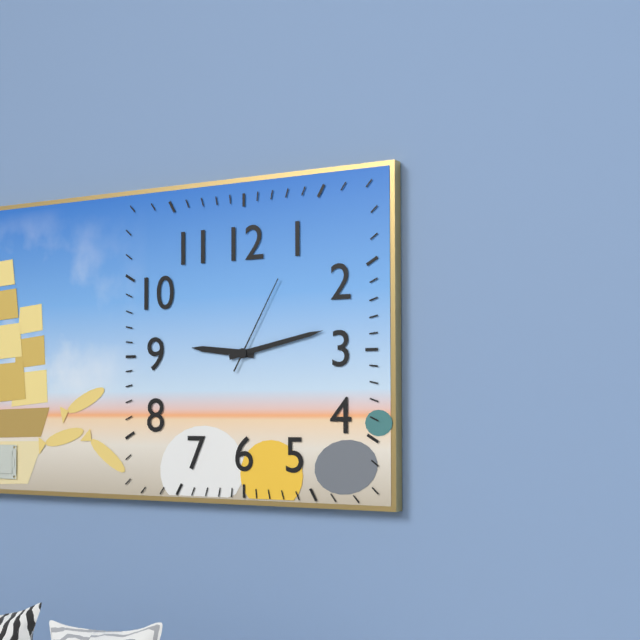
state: 9:13:05
